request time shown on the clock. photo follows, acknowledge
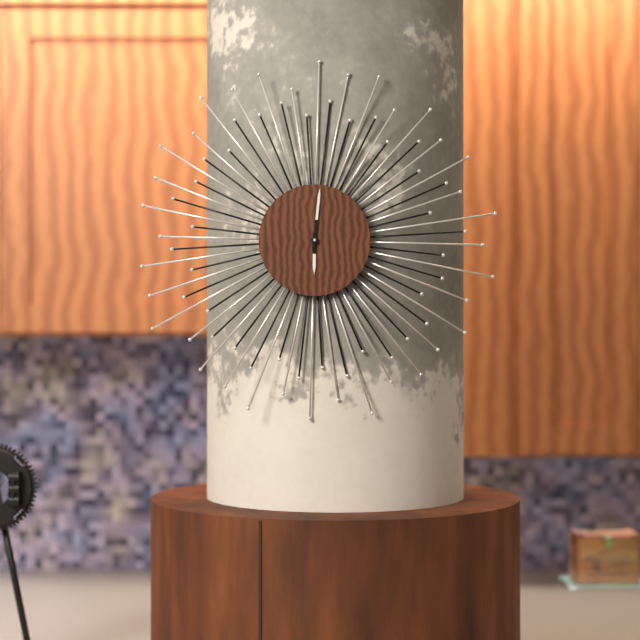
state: 6:01
